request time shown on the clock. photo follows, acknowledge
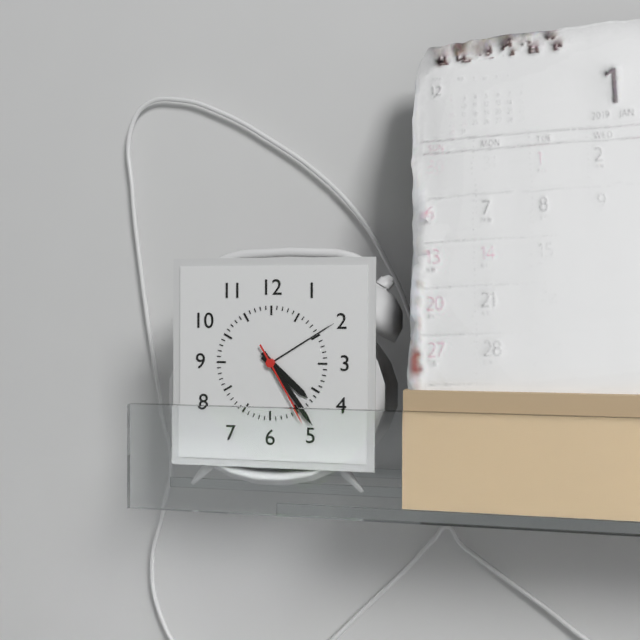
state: 4:24:25
